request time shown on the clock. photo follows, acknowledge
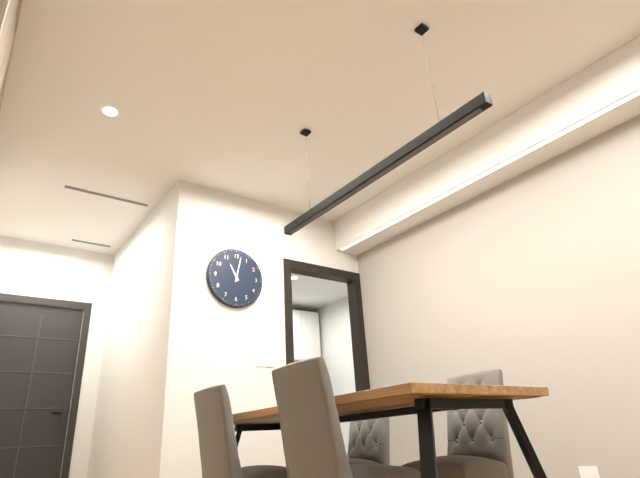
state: 11:02
